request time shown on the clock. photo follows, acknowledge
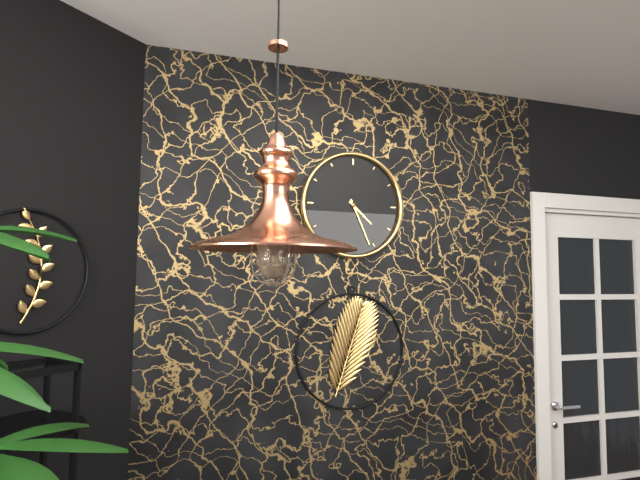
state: 4:26
